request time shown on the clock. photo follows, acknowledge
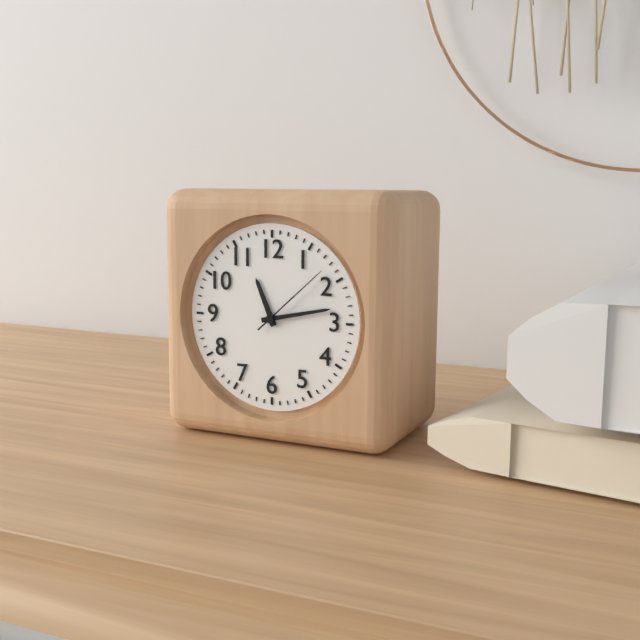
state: 11:13:08
